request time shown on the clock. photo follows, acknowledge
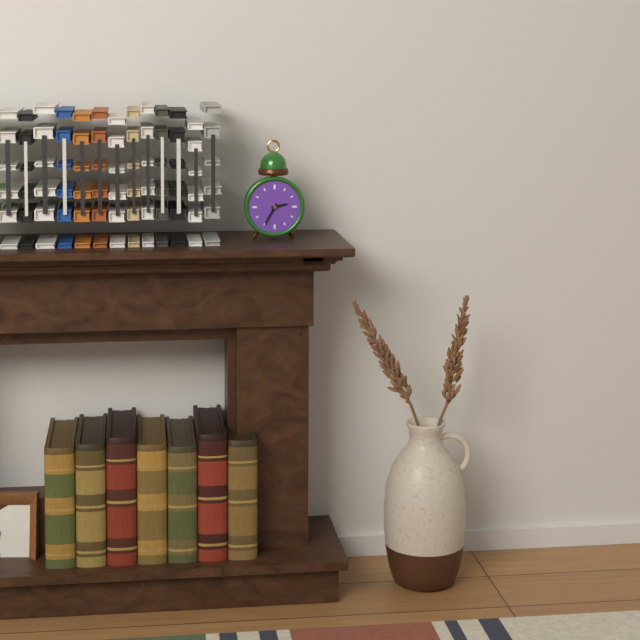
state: 2:35
